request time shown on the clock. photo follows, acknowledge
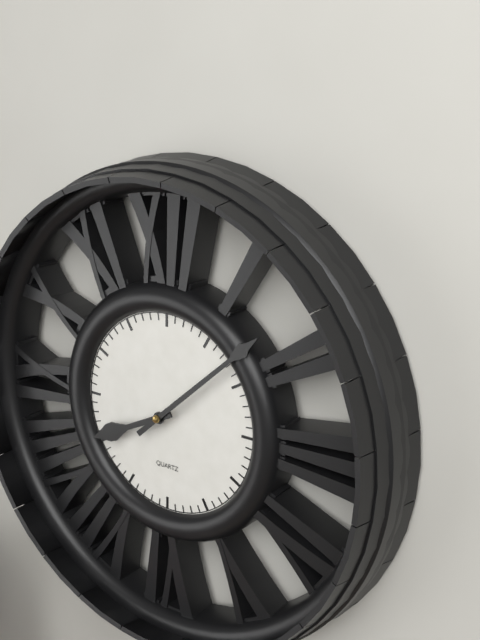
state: 8:08
